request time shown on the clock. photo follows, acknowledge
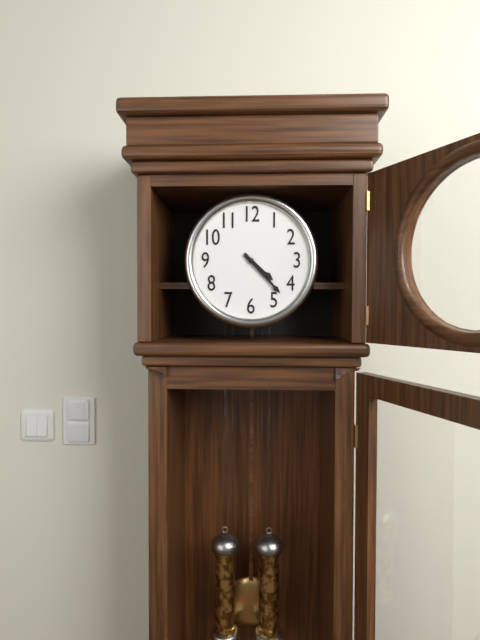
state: 4:23
